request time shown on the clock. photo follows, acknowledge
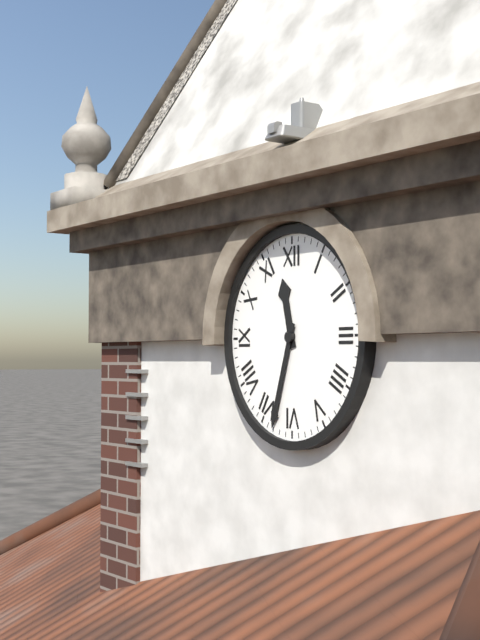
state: 11:33
